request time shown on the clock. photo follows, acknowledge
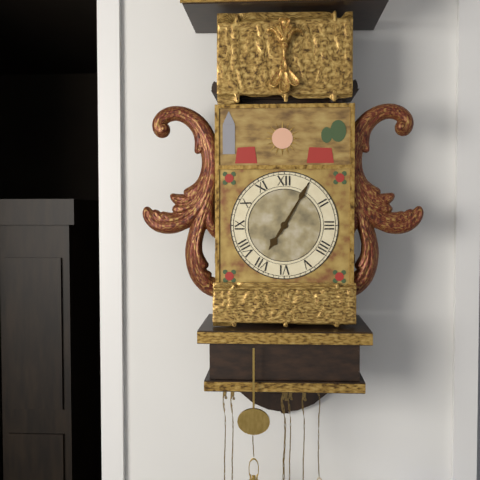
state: 7:05
